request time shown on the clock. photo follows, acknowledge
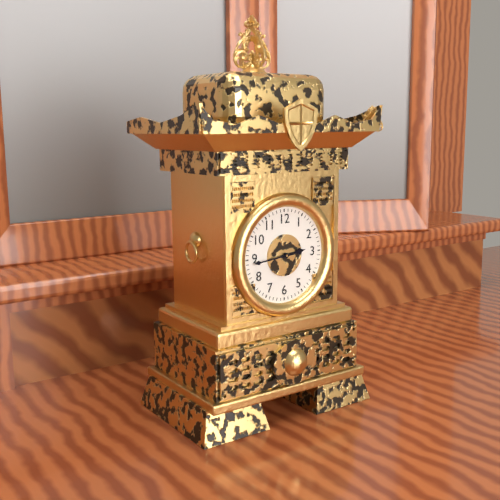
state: 2:44
